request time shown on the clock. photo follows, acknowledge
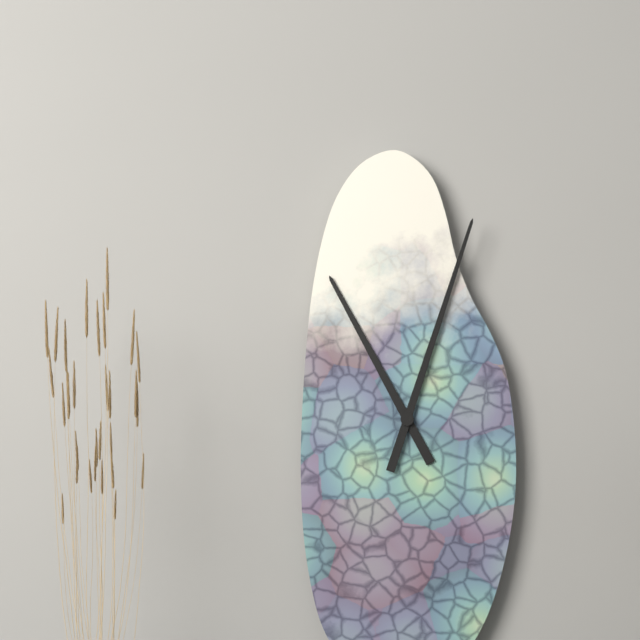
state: 11:03
